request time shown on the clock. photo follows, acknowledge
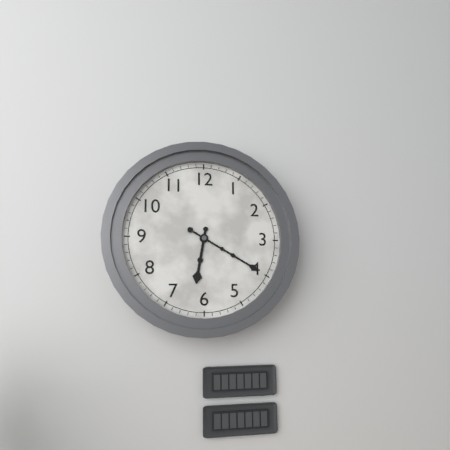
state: 6:20
